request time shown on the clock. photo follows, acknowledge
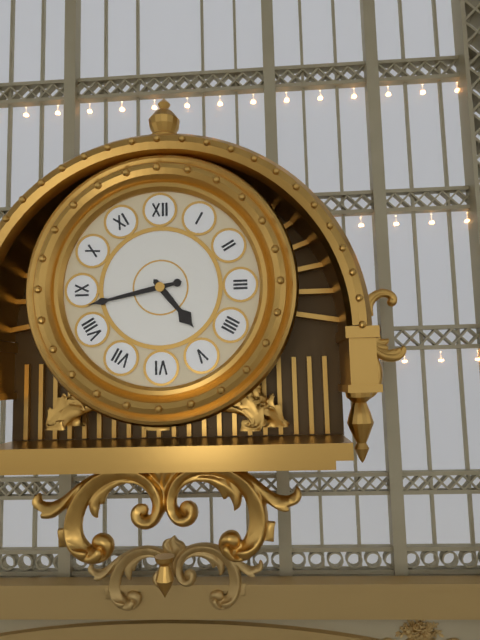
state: 4:43
